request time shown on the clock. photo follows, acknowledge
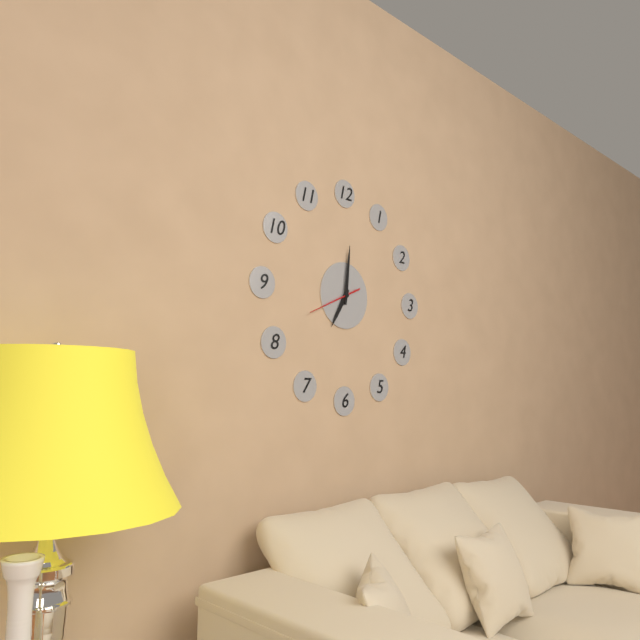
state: 7:01:41
